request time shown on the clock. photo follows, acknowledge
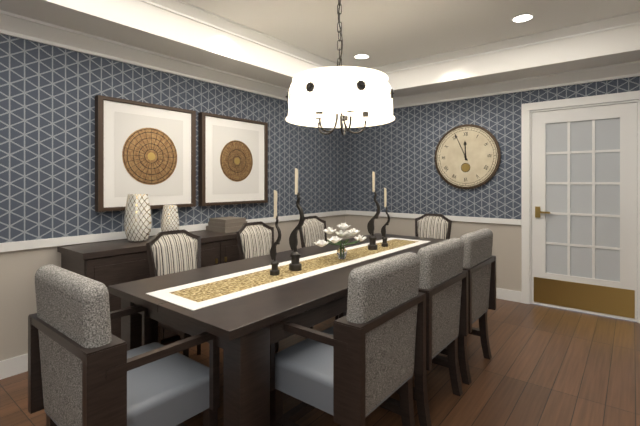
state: 11:56
